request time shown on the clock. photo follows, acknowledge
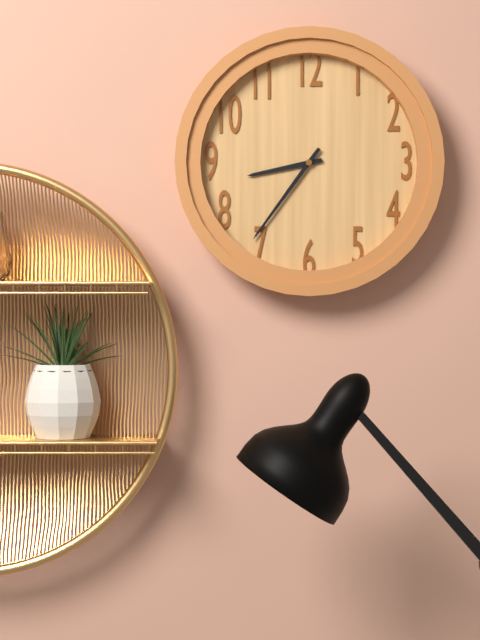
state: 8:36
